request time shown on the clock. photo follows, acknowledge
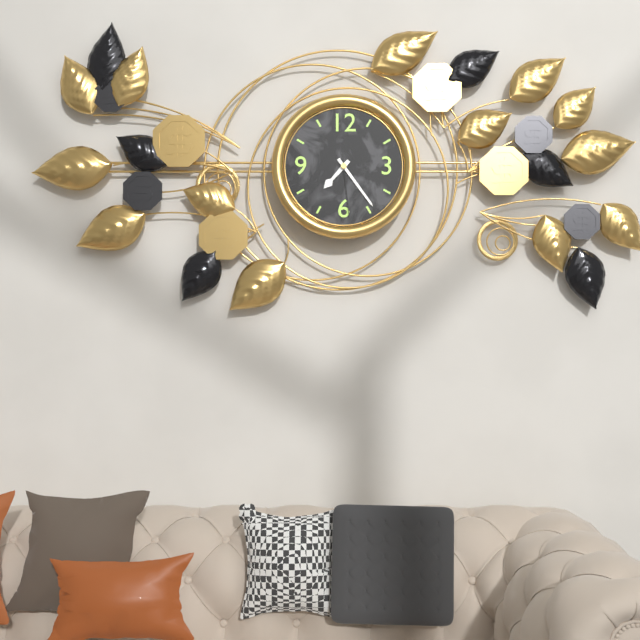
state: 7:24:29
